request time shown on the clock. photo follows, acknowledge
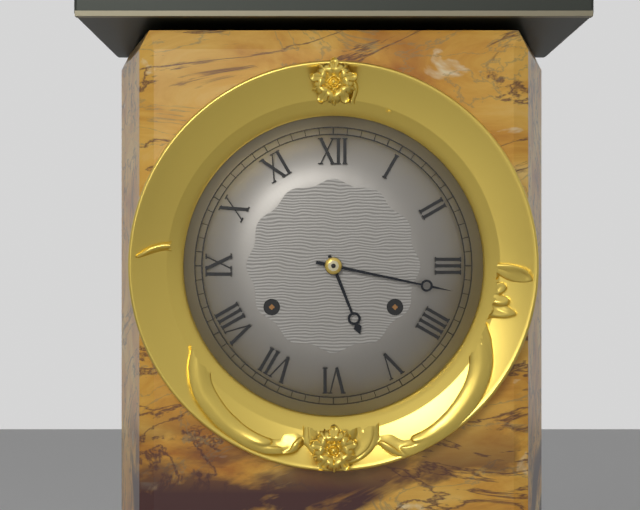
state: 5:17
